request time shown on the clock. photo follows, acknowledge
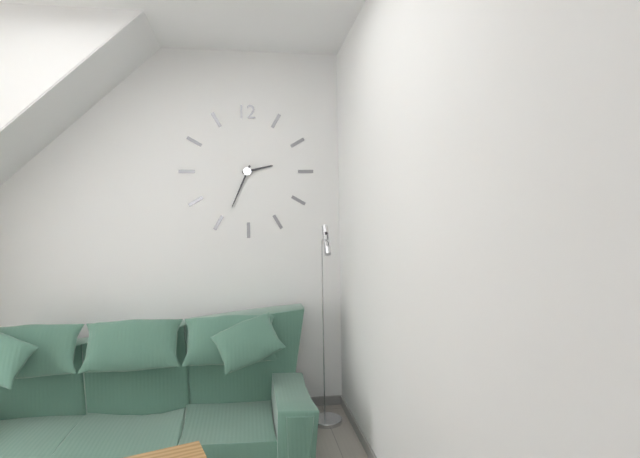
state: 2:34
